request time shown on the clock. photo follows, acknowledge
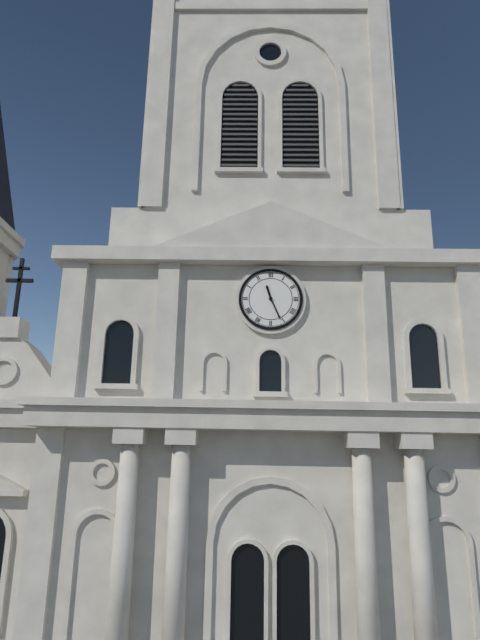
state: 11:26
